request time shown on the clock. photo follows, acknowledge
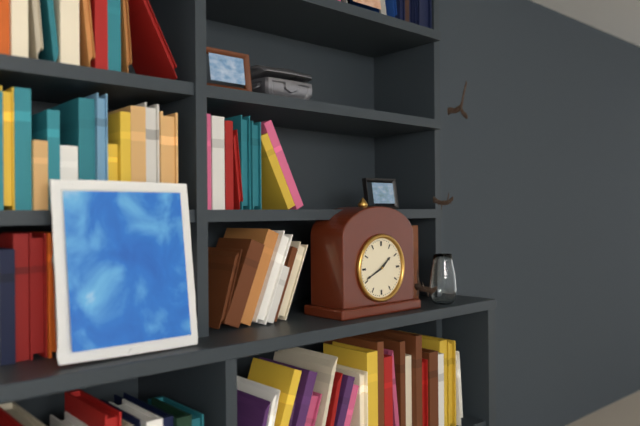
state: 1:41
